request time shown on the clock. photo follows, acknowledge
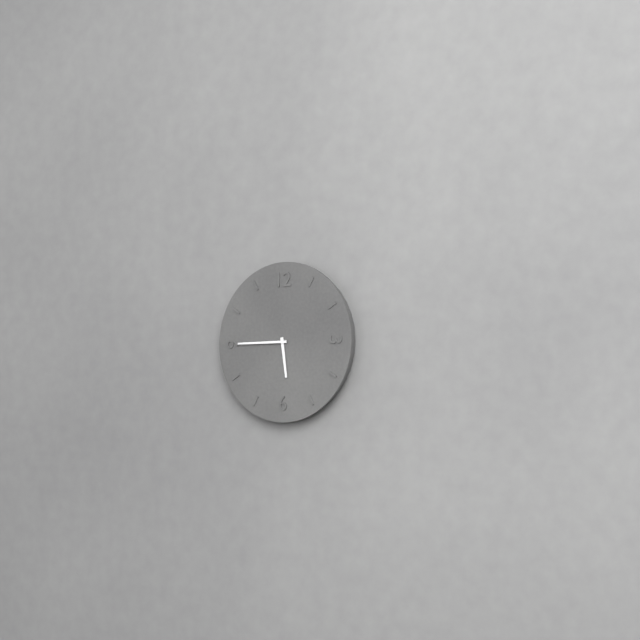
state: 5:45
